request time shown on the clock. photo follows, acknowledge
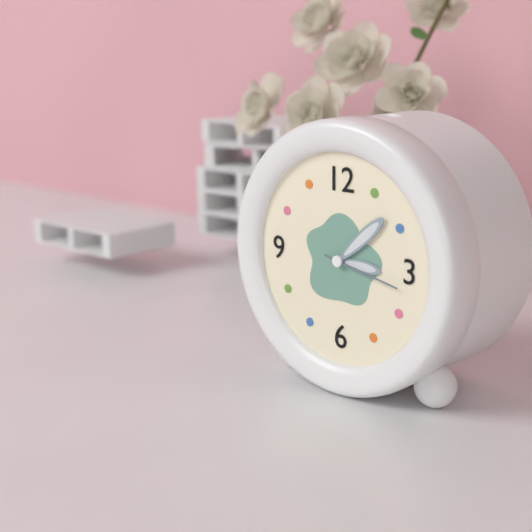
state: 3:08:17
